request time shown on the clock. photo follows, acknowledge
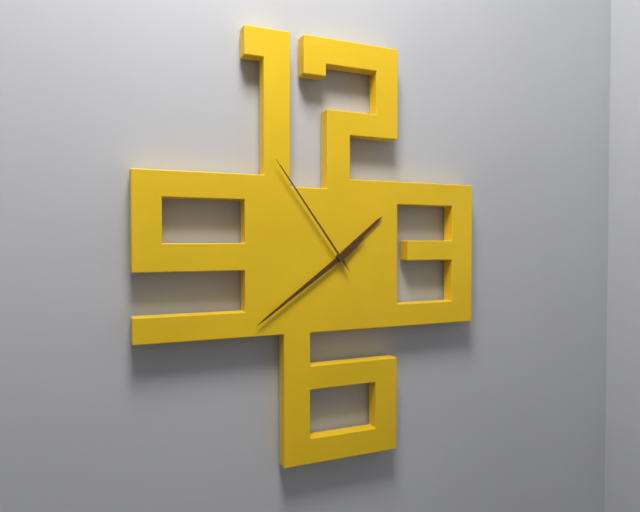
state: 1:39:54
